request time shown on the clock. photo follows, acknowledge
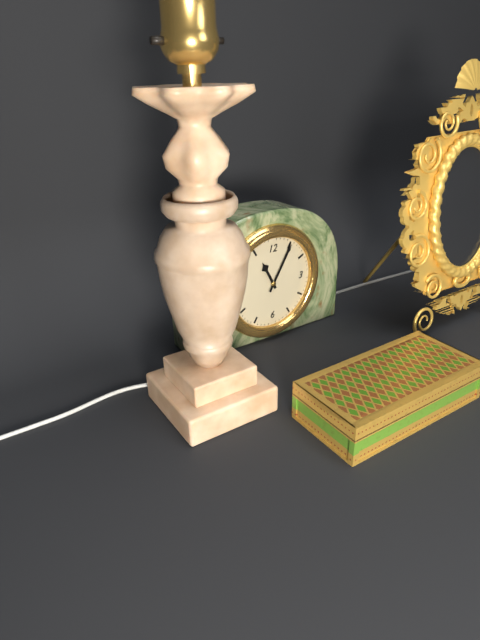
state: 11:05
